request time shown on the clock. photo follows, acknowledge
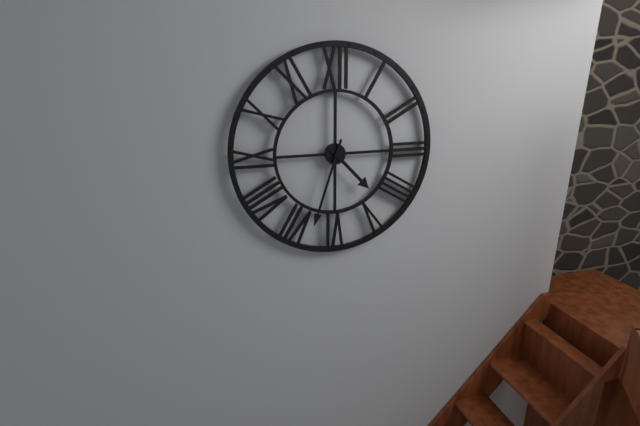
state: 4:33
